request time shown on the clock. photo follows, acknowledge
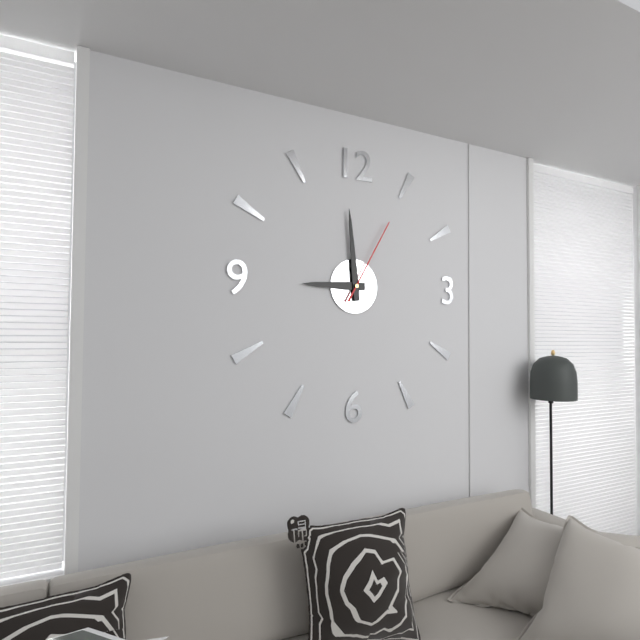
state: 8:59:05
